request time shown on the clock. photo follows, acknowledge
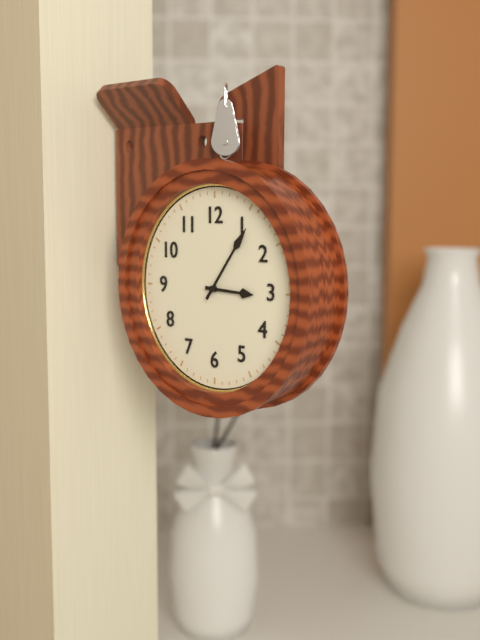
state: 3:06
